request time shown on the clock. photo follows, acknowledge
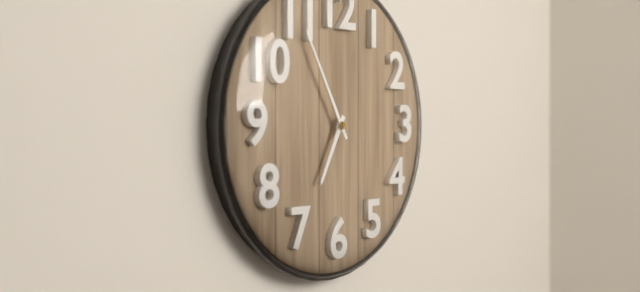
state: 6:55
